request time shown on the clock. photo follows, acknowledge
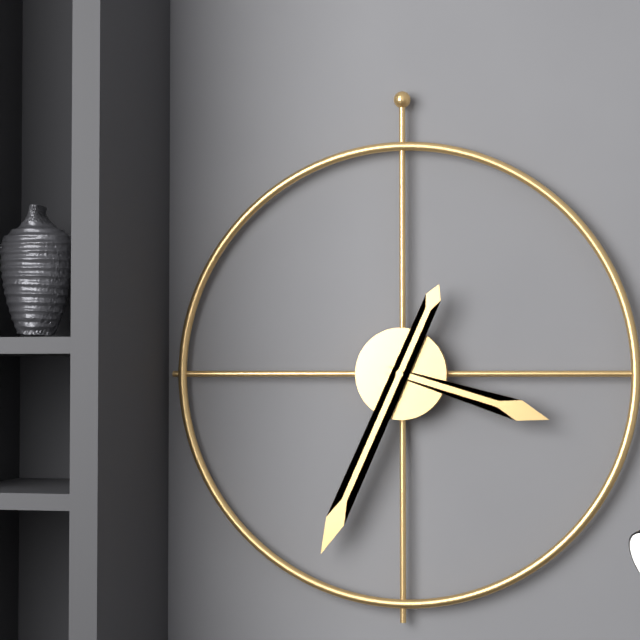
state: 3:34
